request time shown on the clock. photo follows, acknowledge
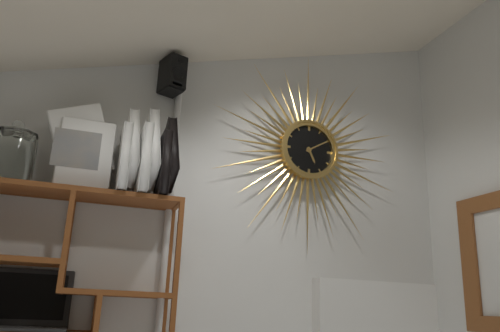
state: 5:10
